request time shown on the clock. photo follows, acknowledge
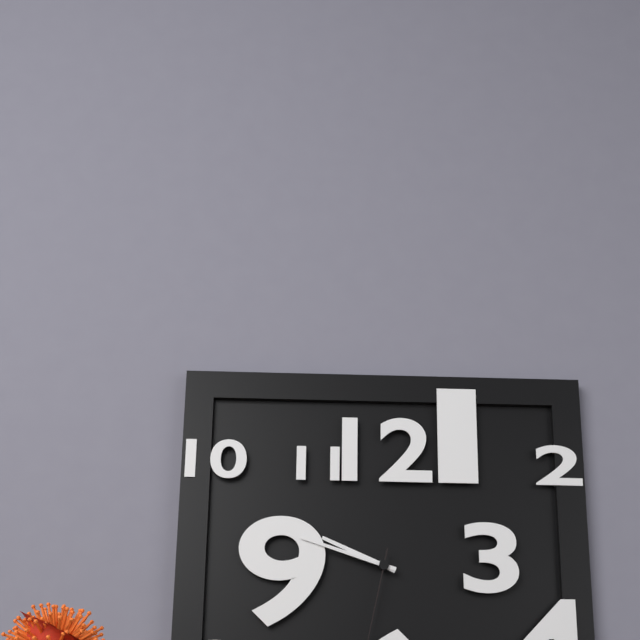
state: 9:48
